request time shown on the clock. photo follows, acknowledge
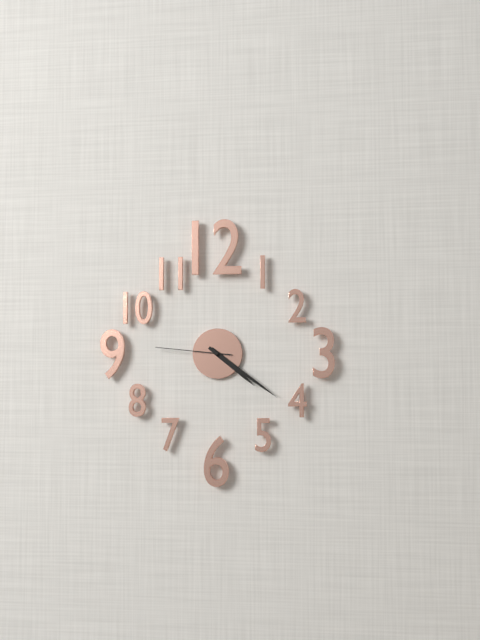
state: 4:21:46
